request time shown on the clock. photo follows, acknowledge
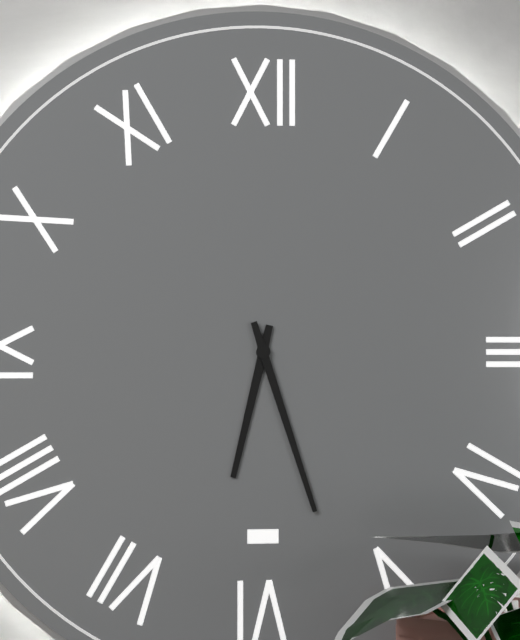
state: 6:27
